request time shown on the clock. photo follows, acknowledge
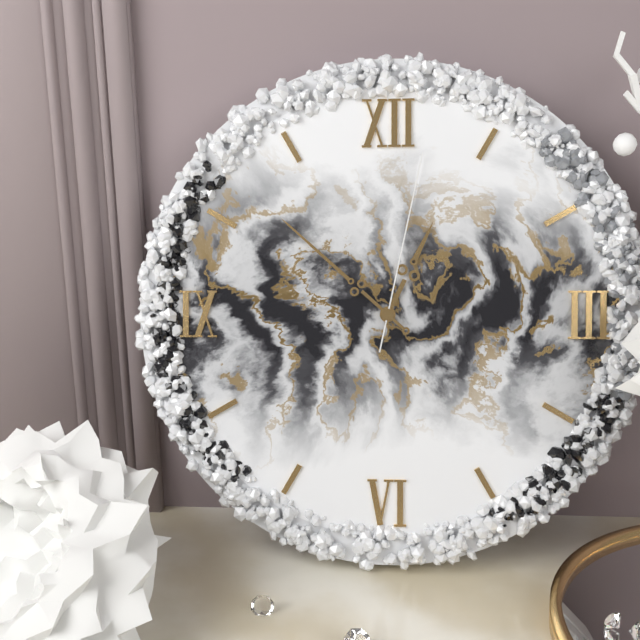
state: 12:52:02
